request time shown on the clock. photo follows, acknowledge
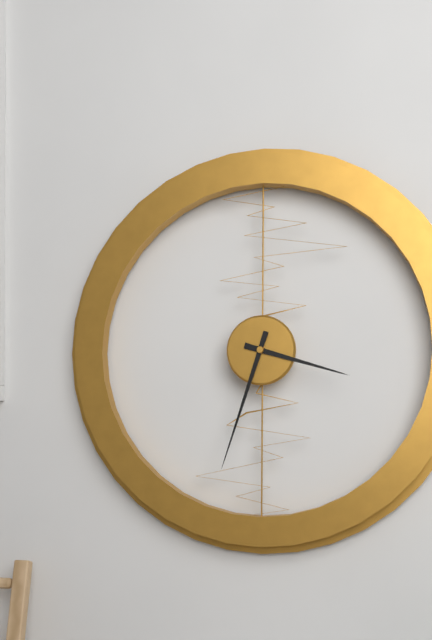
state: 3:33
